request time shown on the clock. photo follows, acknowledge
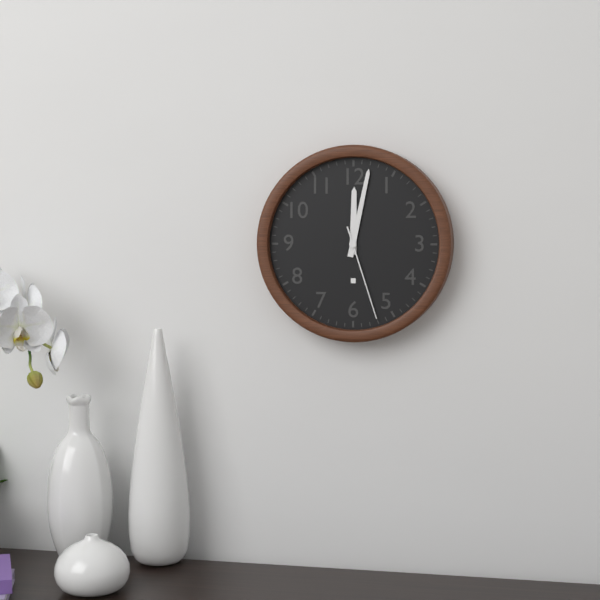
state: 12:02:27
